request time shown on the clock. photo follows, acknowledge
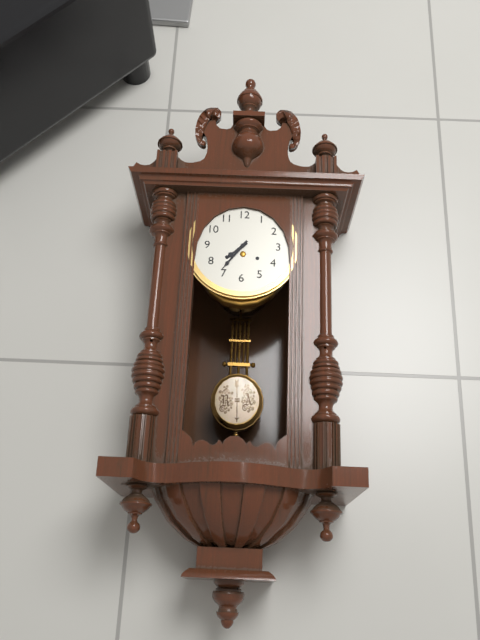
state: 7:36
